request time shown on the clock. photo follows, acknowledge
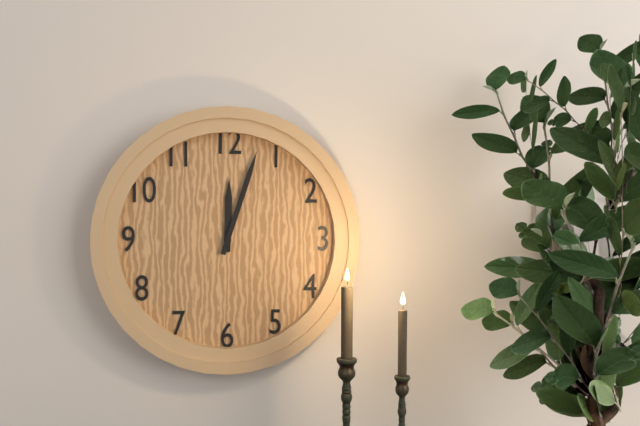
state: 12:03
